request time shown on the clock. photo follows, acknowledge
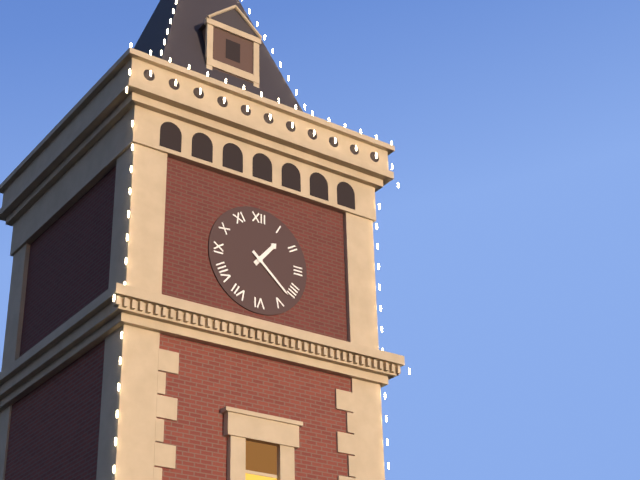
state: 1:22
